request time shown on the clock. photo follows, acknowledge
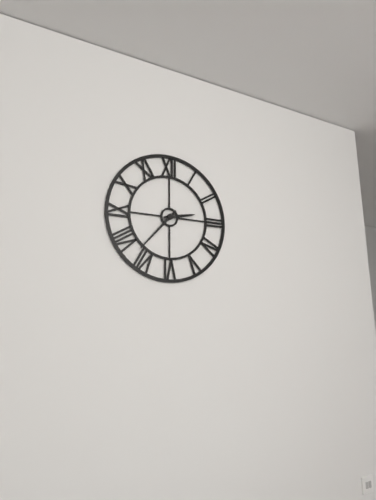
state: 2:37
